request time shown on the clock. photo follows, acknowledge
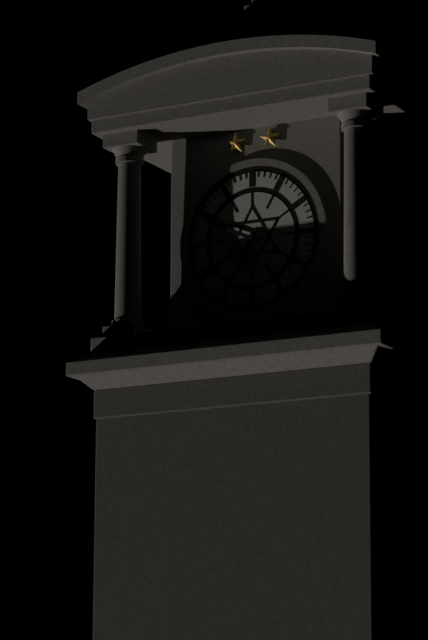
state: 6:49
